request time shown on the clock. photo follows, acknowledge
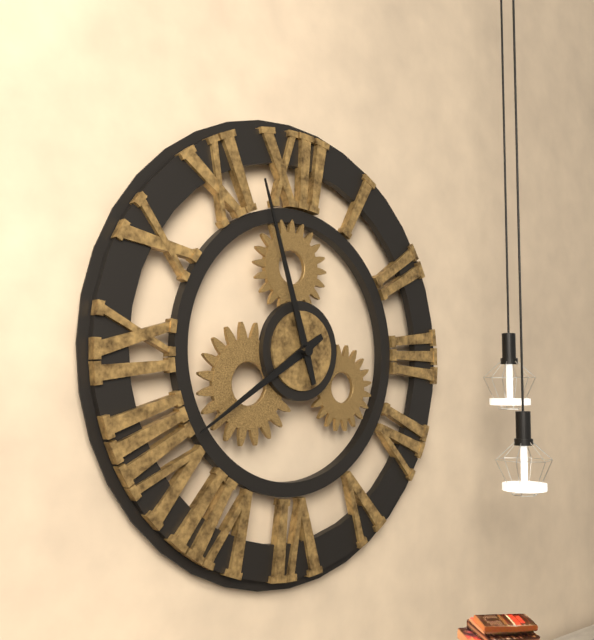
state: 7:57
